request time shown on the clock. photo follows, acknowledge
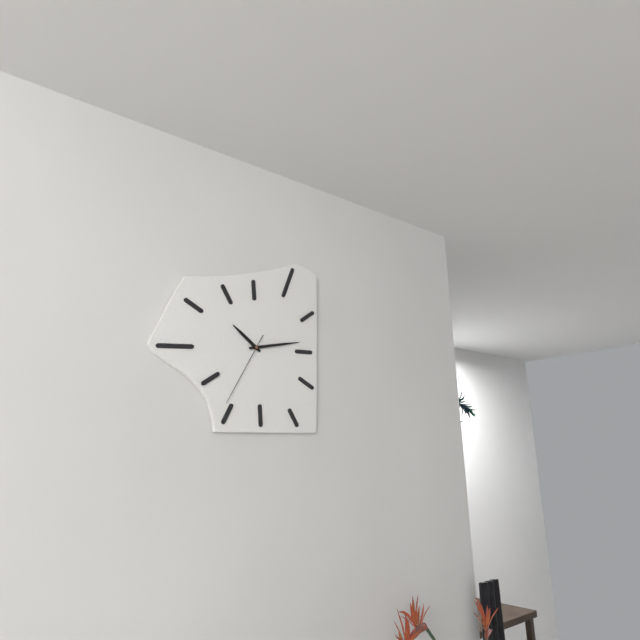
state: 10:13:35
